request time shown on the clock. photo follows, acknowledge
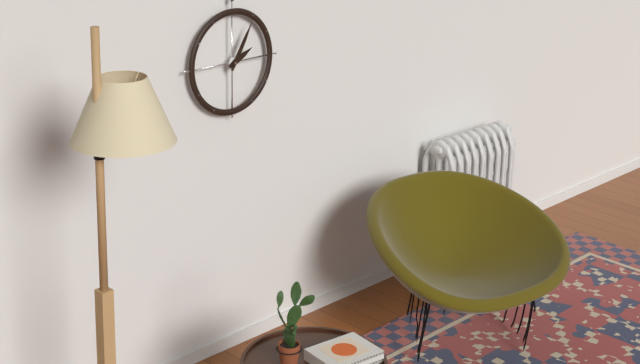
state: 2:05
